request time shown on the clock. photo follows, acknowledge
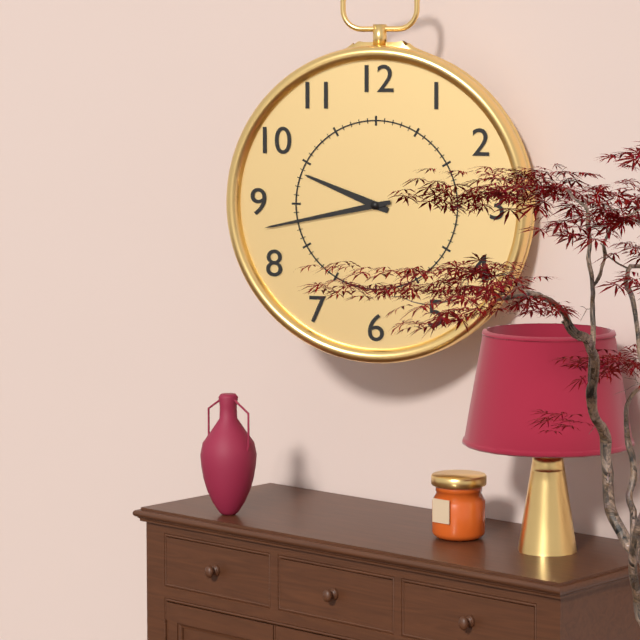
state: 9:43
